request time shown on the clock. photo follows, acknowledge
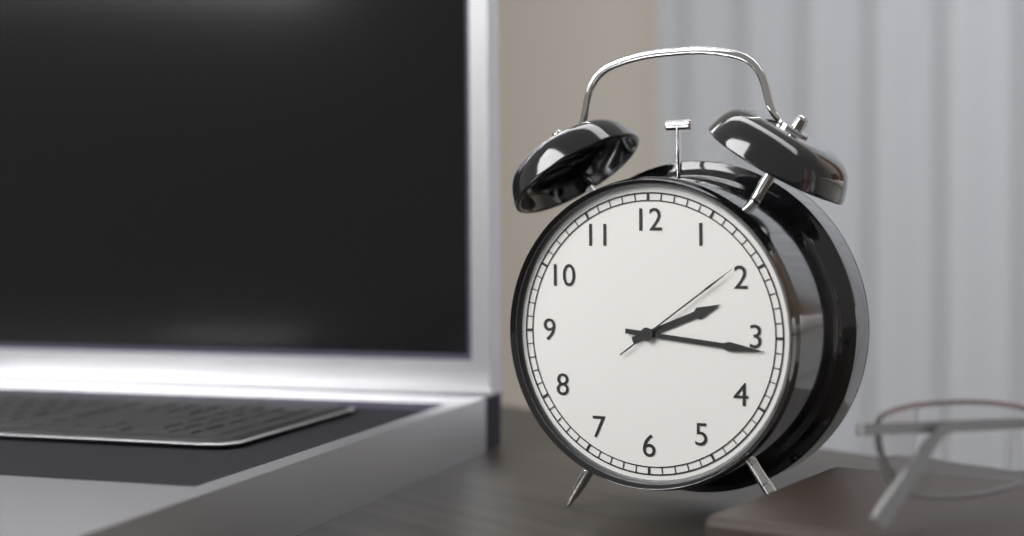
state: 2:16:09
